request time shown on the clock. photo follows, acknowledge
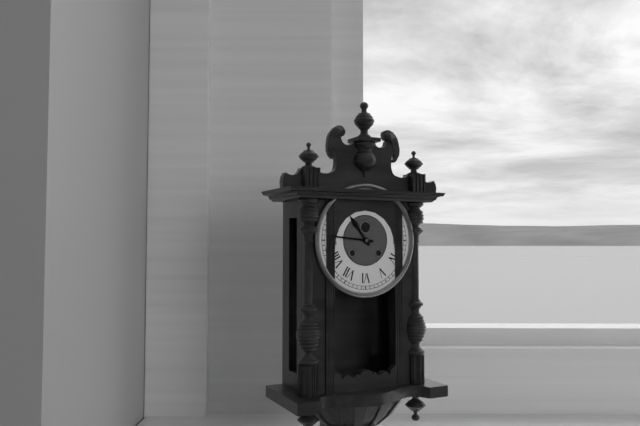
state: 10:46
